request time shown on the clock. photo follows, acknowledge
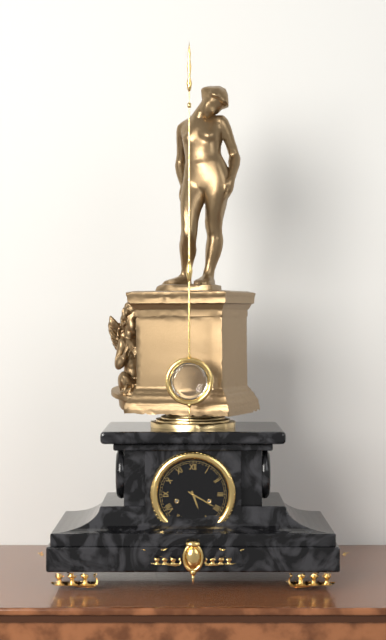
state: 5:20
